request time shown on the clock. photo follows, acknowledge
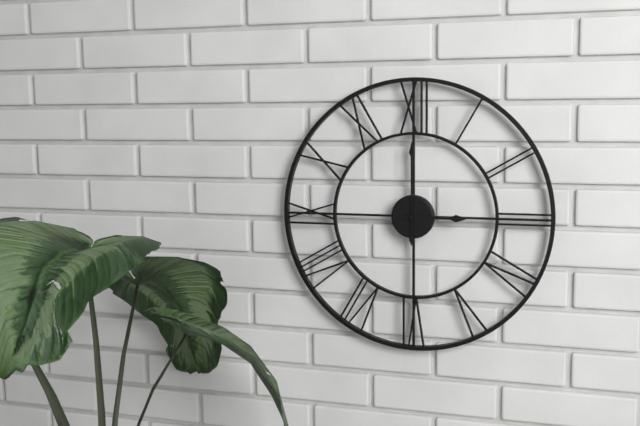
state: 3:00
